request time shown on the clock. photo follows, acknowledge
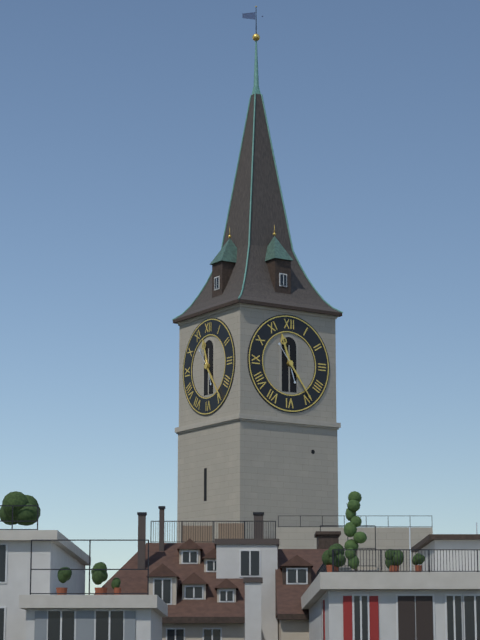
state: 11:24
